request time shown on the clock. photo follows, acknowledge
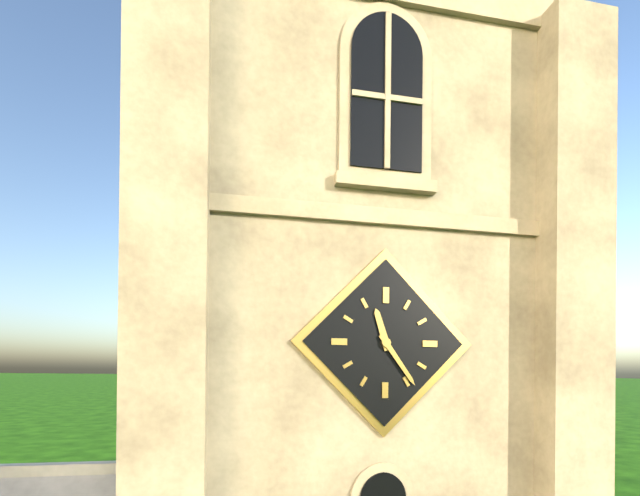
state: 11:24
